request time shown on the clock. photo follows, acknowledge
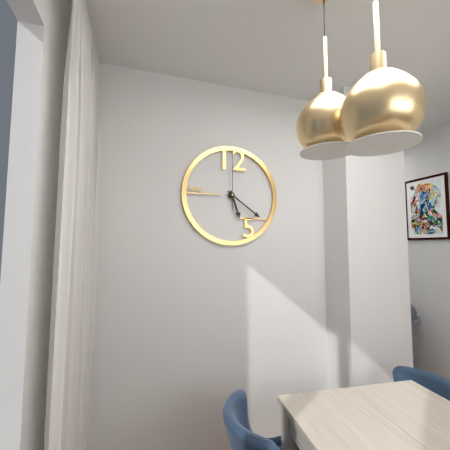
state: 5:21:00
